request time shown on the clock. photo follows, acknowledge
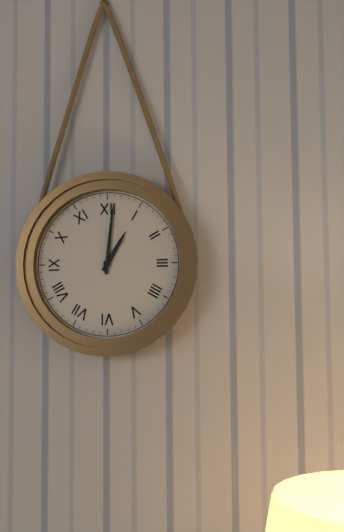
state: 1:01
